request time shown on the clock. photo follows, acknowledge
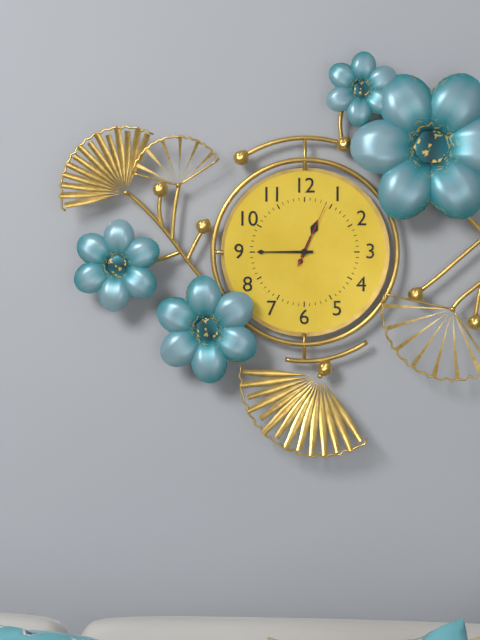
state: 12:45:04
